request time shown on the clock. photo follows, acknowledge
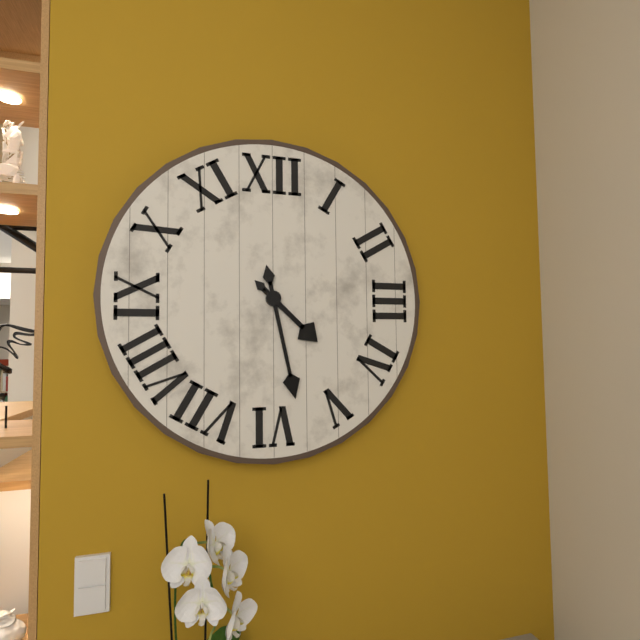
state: 4:28
